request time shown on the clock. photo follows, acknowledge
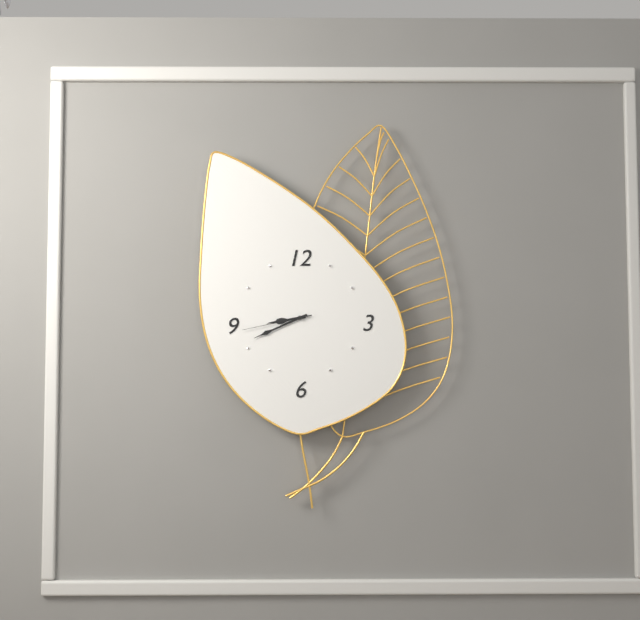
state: 8:41:43
